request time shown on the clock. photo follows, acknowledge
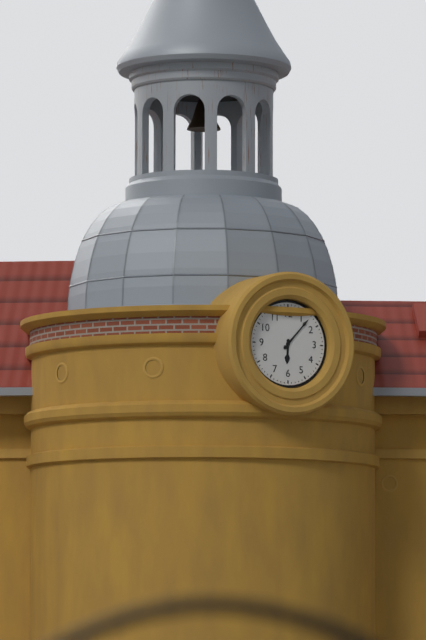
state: 6:07
